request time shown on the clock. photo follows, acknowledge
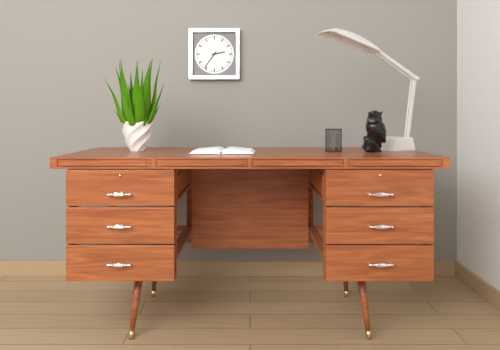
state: 2:36
